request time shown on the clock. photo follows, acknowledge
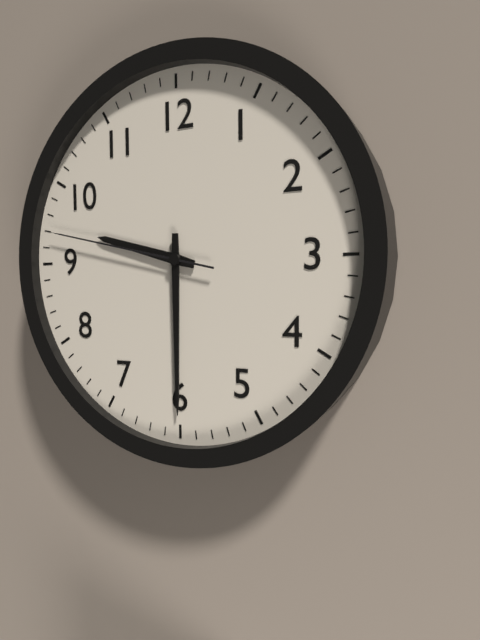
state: 9:30:47
